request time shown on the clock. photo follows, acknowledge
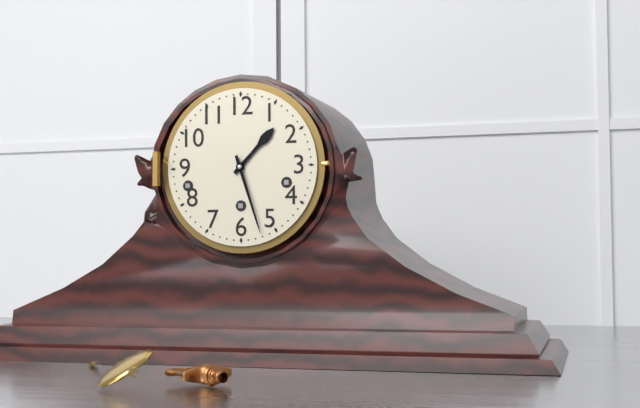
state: 1:27
